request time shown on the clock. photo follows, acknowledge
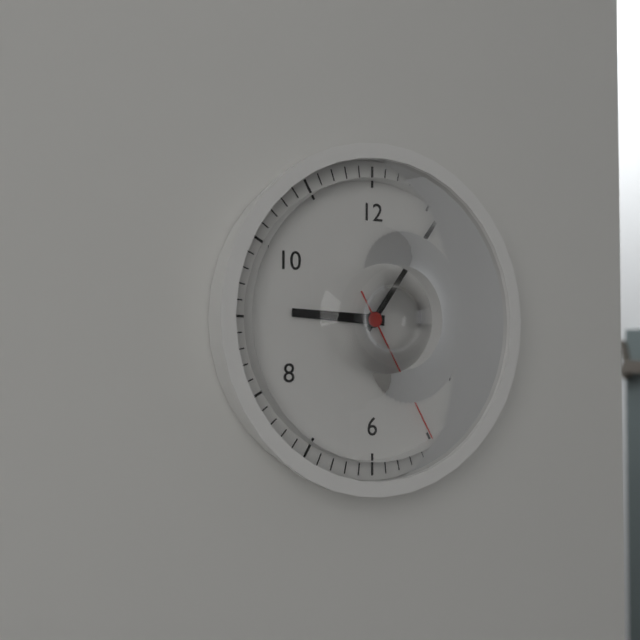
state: 9:06:25
